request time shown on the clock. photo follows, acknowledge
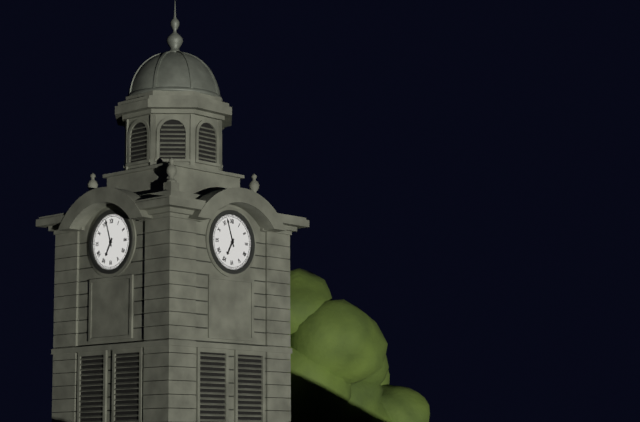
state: 6:57
